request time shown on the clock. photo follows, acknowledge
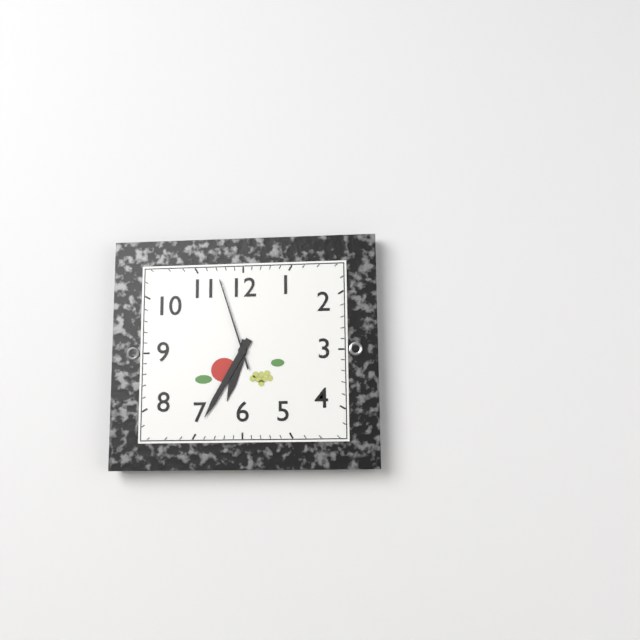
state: 6:35:57
